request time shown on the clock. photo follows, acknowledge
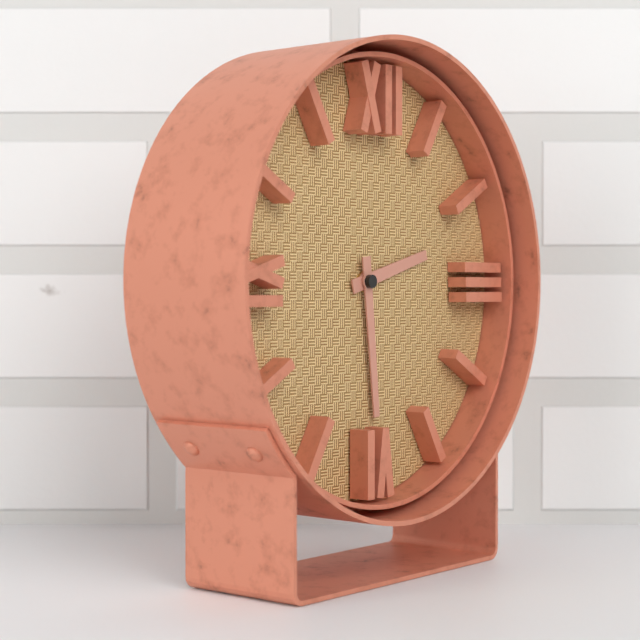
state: 2:29
